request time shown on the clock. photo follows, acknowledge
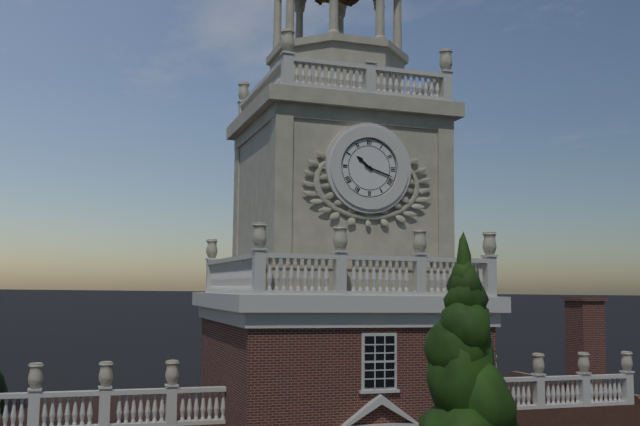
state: 10:18
